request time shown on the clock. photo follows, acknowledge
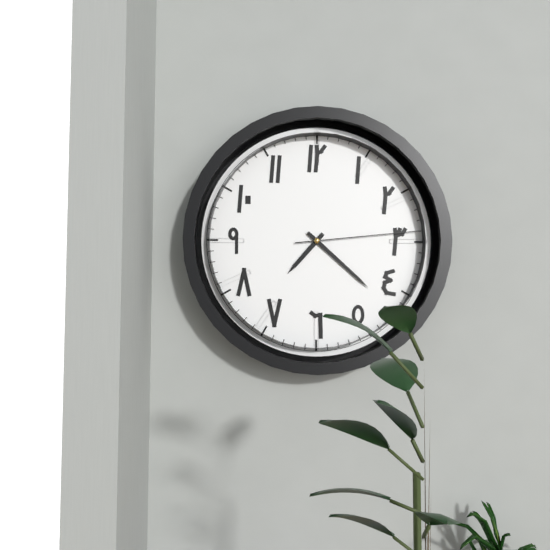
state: 7:22:14
